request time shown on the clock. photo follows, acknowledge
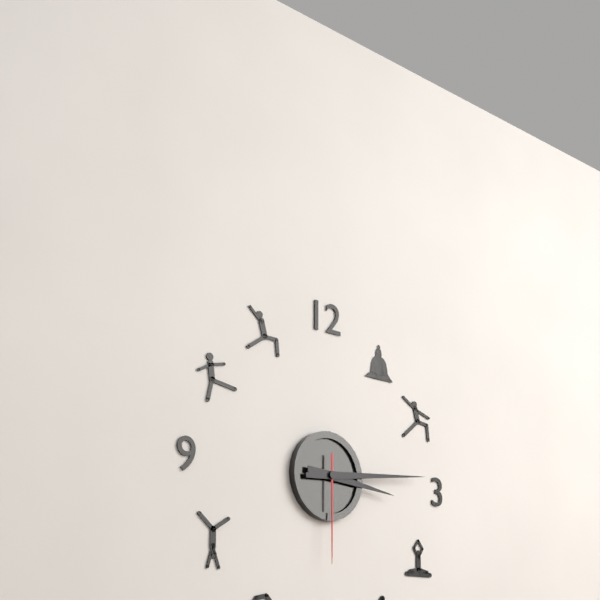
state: 3:14:30
